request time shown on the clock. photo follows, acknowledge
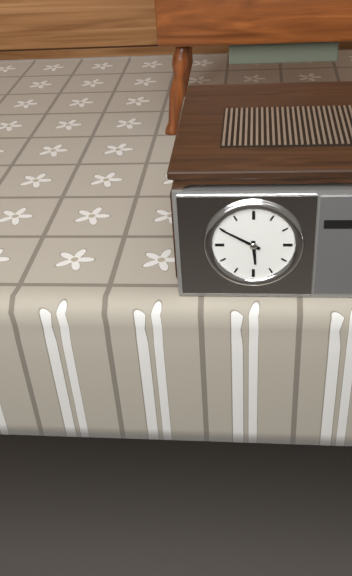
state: 5:50
